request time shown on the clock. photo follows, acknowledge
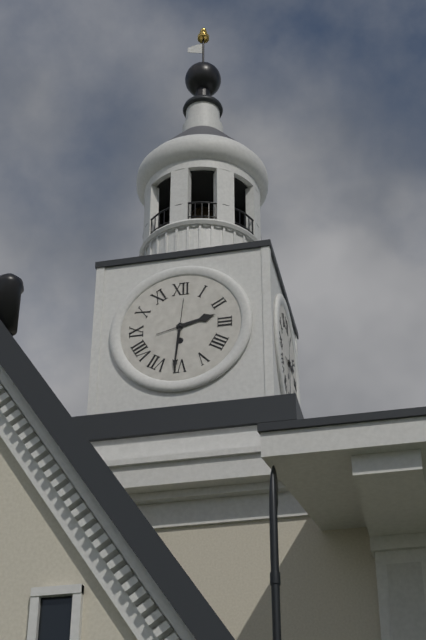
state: 2:31
